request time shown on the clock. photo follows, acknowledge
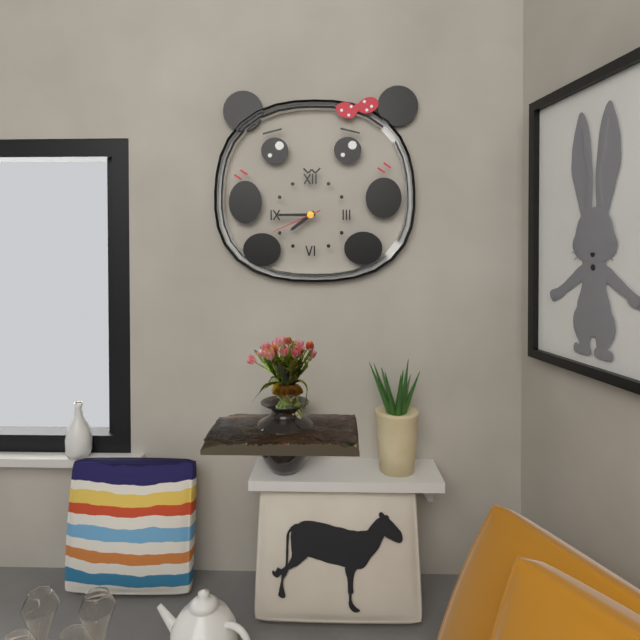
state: 7:45:41
